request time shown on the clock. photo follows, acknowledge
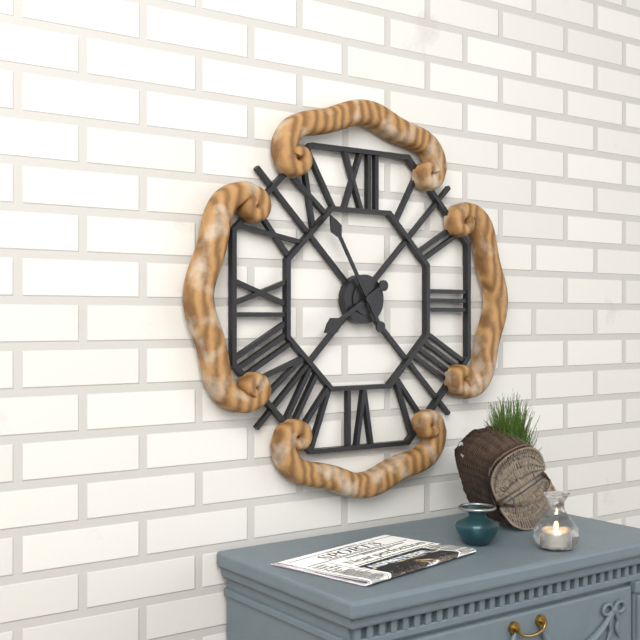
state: 7:55
